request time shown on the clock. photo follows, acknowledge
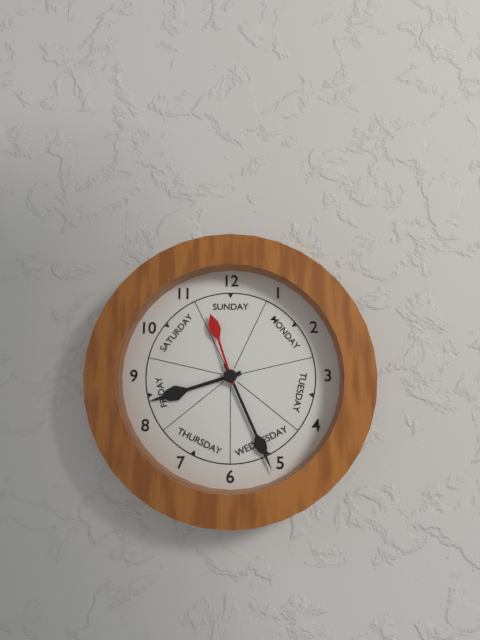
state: 8:26:57
